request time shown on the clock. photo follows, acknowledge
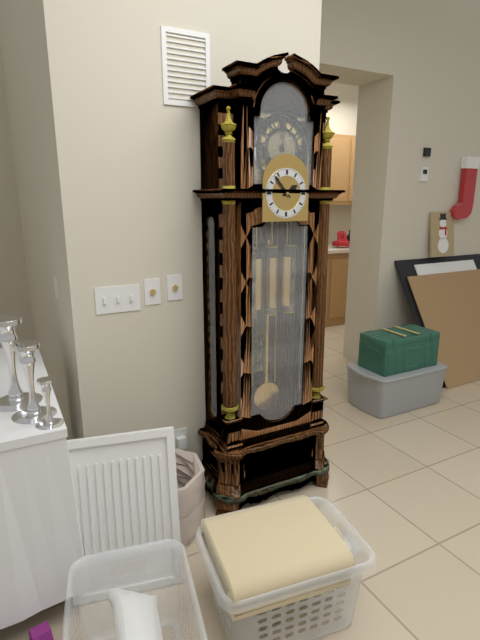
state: 1:53
